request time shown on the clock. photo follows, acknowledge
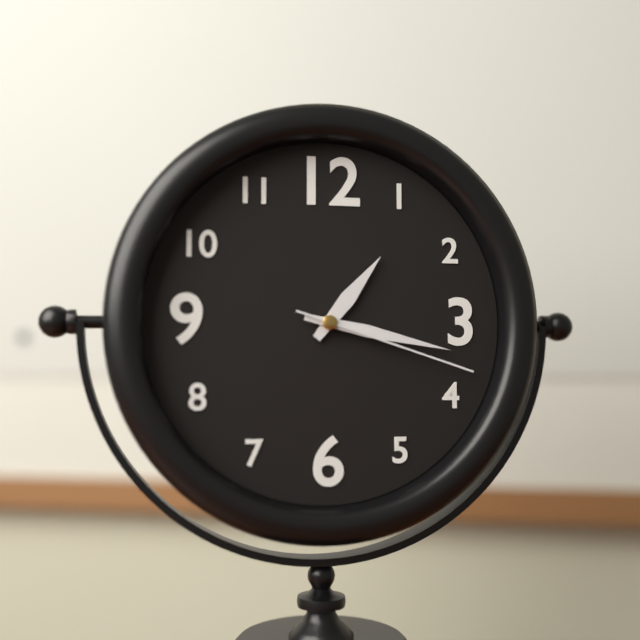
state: 1:17:18
